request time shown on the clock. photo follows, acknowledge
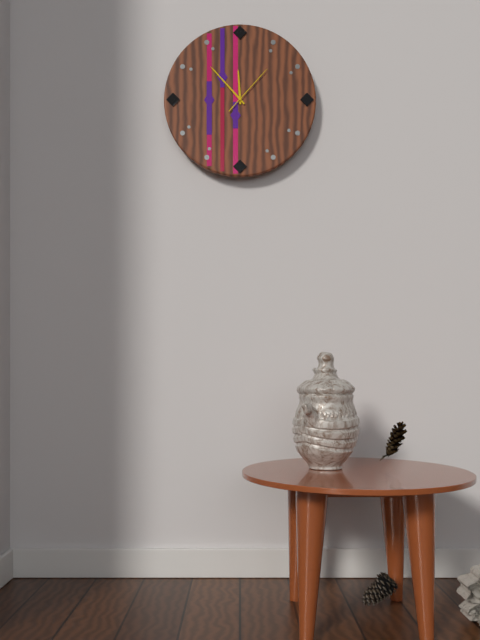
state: 11:53:07
